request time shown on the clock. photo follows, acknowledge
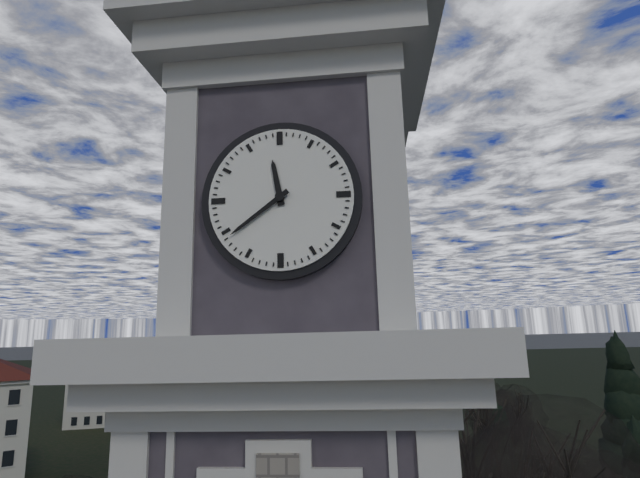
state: 11:39
